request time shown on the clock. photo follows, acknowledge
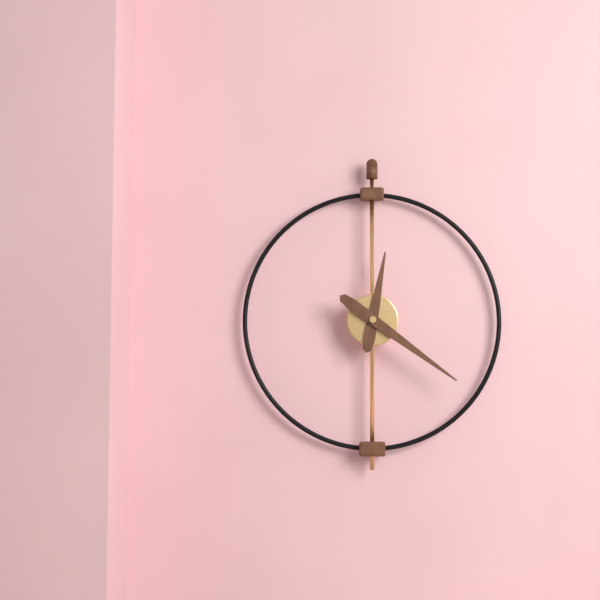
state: 12:21
